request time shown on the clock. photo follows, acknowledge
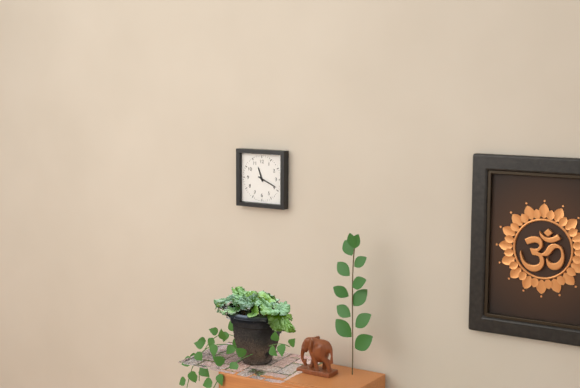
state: 11:19
